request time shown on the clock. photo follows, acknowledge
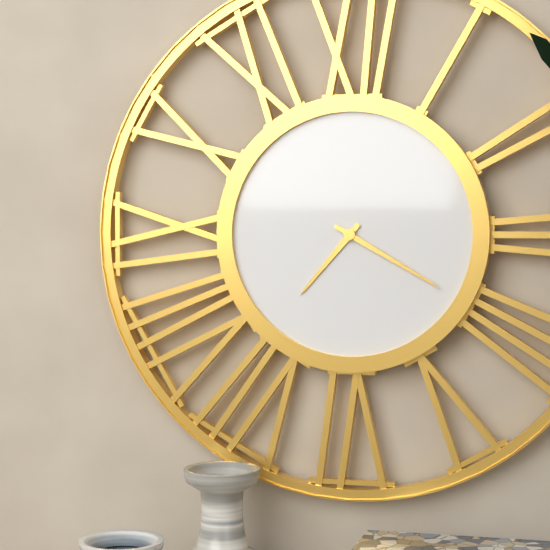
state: 7:20
